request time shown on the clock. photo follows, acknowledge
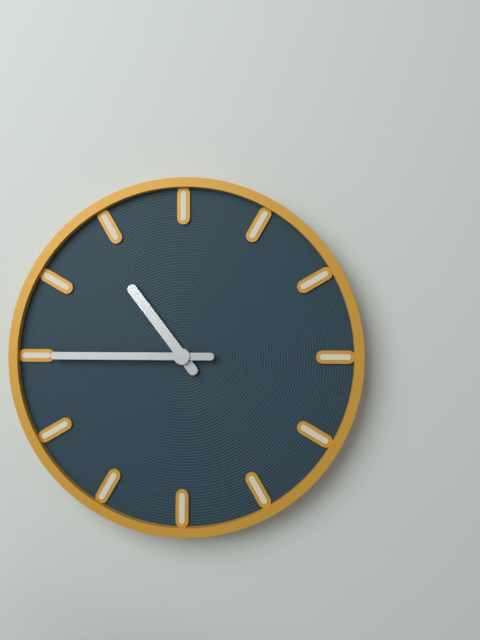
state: 10:45
